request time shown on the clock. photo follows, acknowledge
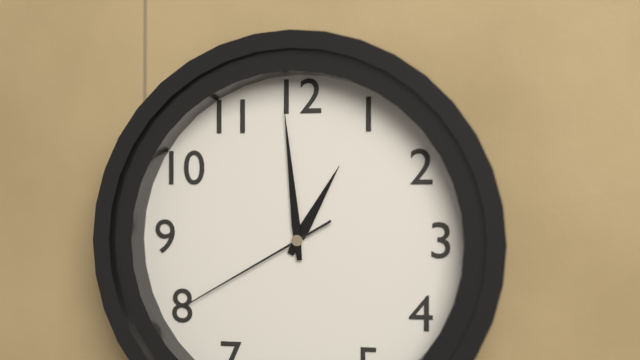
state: 12:59:40
